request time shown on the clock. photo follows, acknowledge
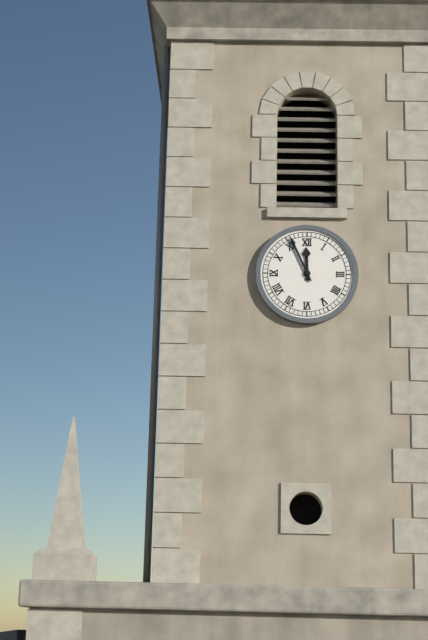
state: 11:56
